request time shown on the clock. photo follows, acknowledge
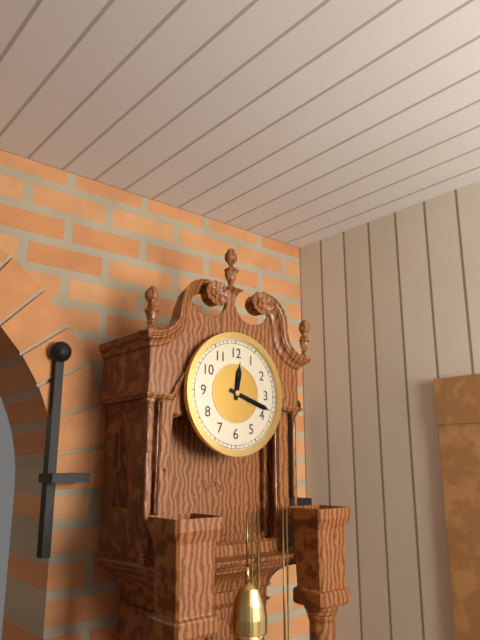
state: 12:18
